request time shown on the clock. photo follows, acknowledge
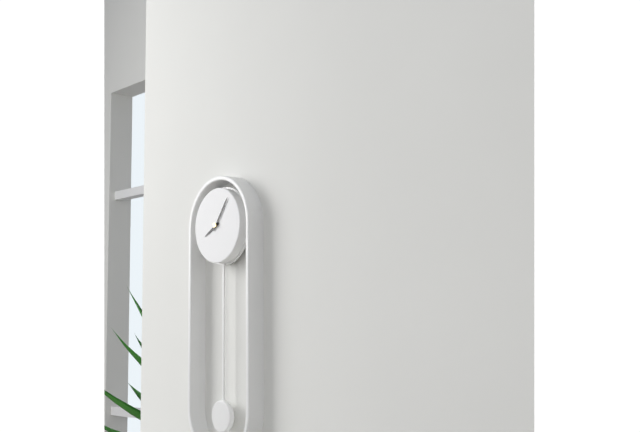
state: 8:06
